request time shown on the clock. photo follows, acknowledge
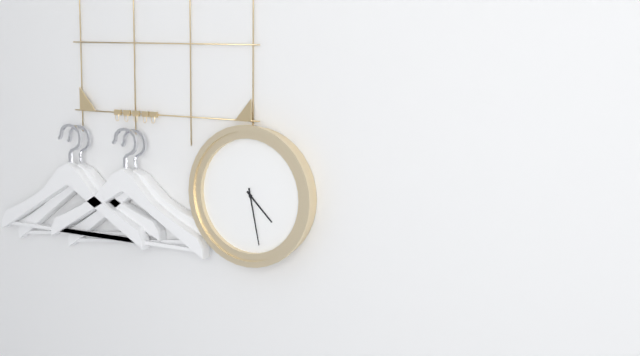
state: 4:28
